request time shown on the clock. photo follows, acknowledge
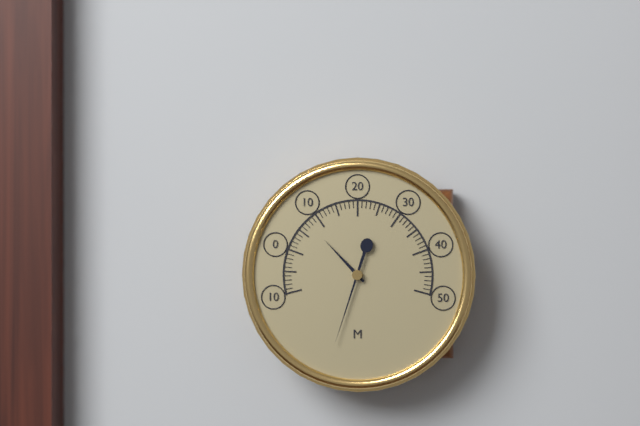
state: 10:33
